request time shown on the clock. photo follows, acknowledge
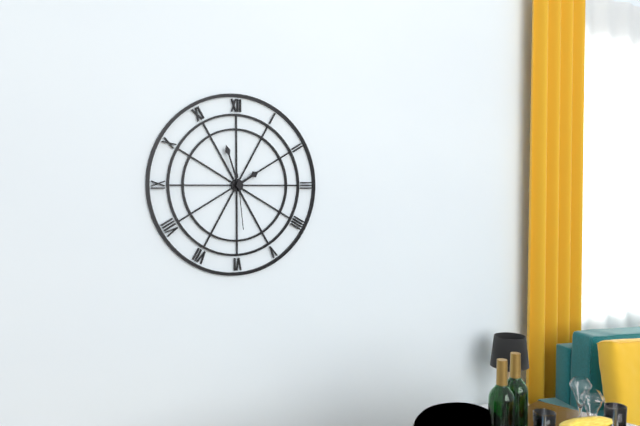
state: 1:57:29
